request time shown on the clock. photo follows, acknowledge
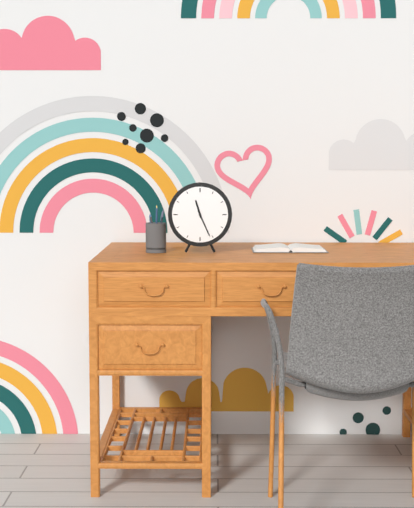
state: 11:26
